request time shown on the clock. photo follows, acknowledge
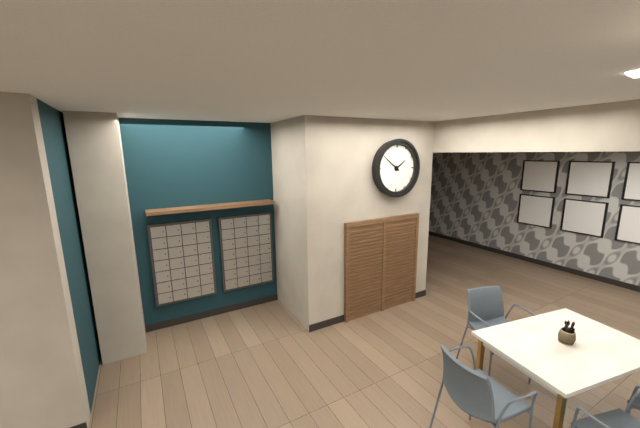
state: 1:51
